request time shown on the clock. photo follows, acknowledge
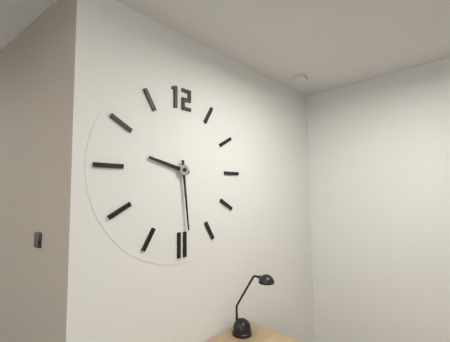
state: 9:29
